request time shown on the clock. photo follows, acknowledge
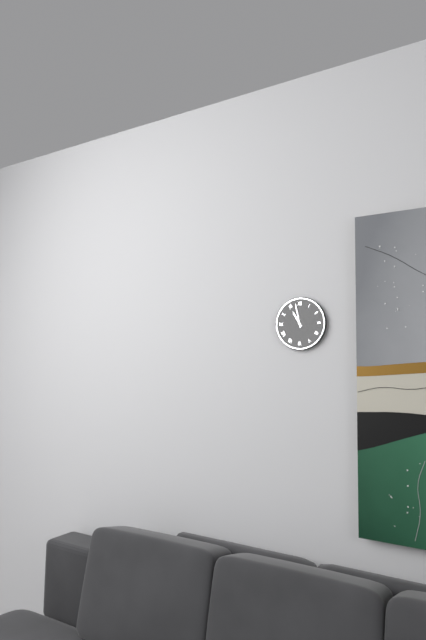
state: 10:58
